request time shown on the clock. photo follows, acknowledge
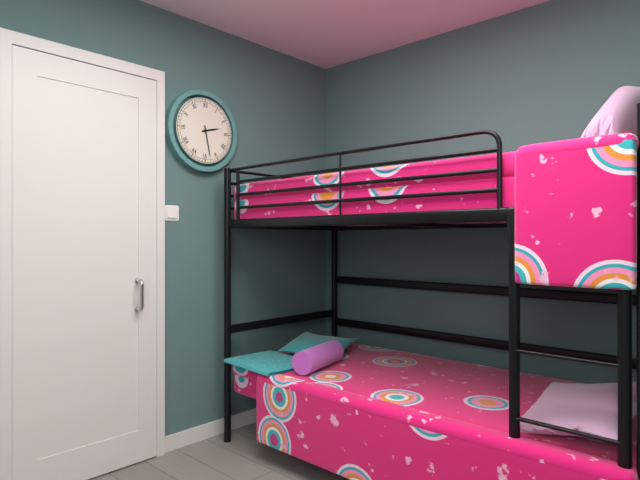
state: 2:28
